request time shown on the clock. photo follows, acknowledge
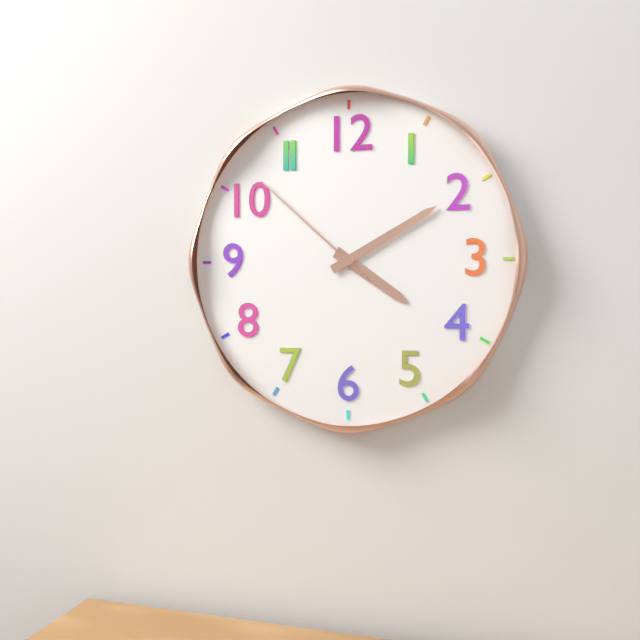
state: 4:10:52
